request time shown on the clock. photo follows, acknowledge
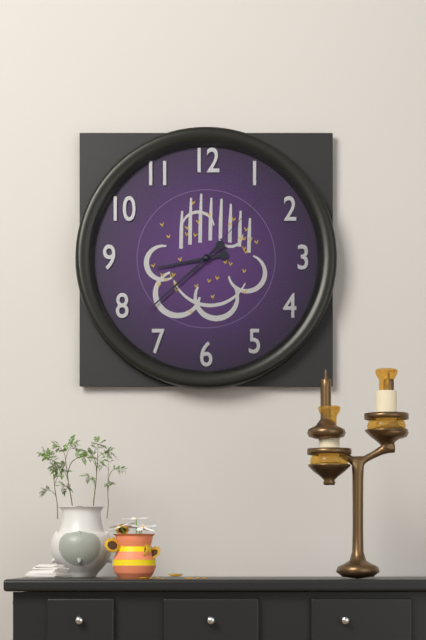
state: 8:38:07
